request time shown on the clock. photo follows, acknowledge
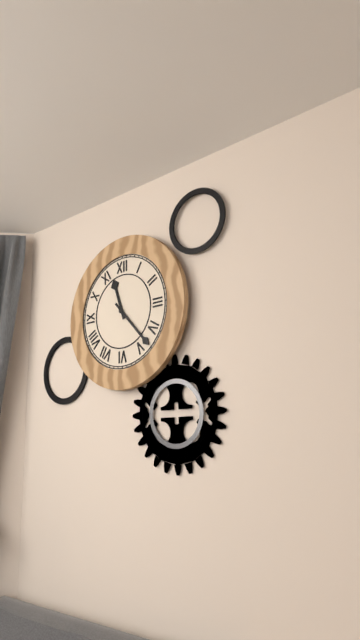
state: 11:23
